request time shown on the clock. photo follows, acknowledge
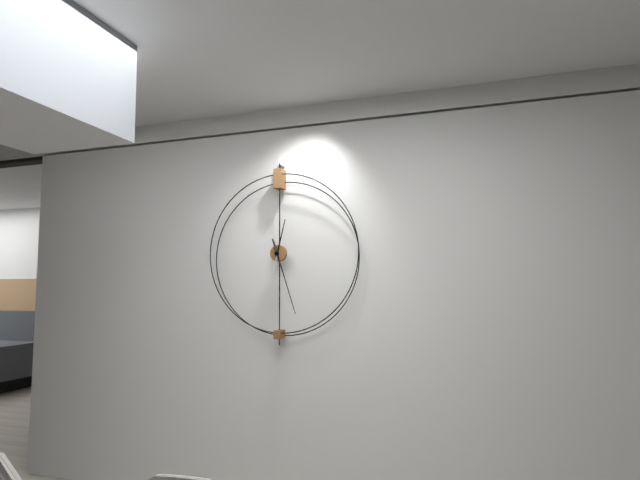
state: 12:27
